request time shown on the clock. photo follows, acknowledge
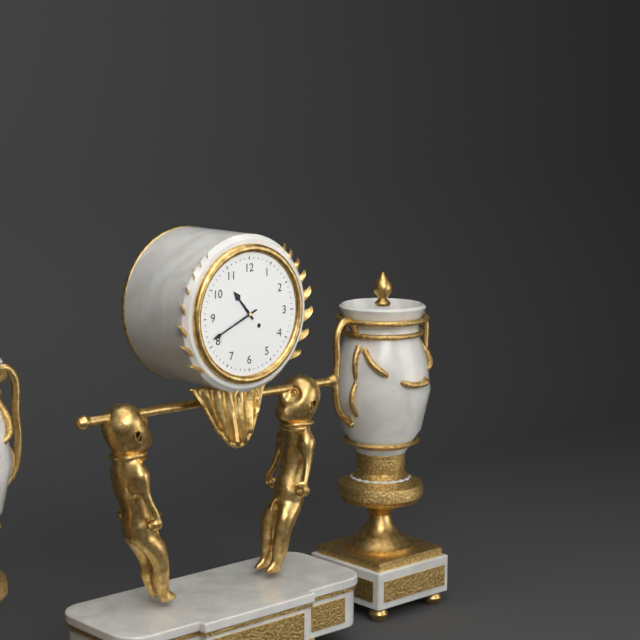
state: 10:41
